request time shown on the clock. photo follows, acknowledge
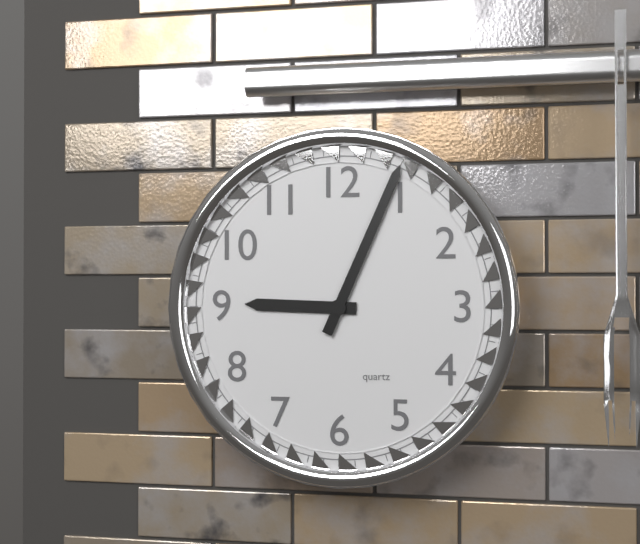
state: 9:04
